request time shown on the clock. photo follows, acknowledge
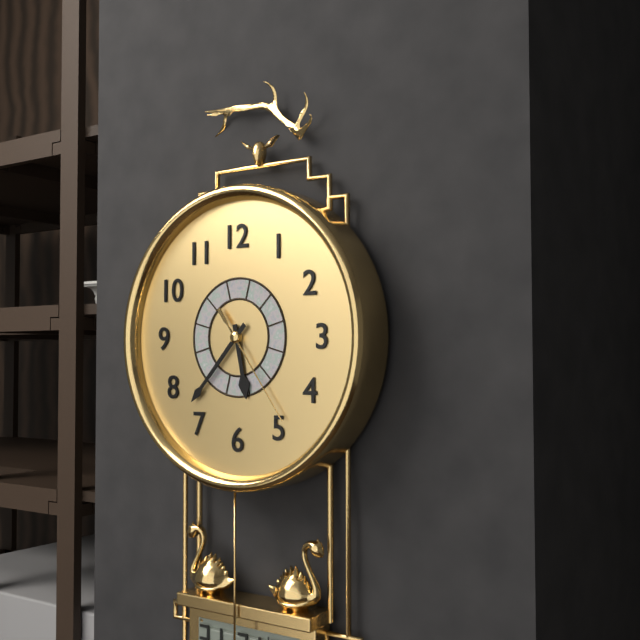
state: 5:37:24
